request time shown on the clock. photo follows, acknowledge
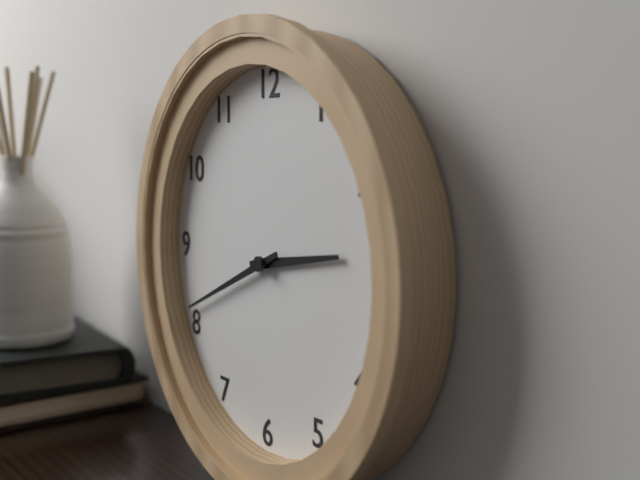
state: 2:41
